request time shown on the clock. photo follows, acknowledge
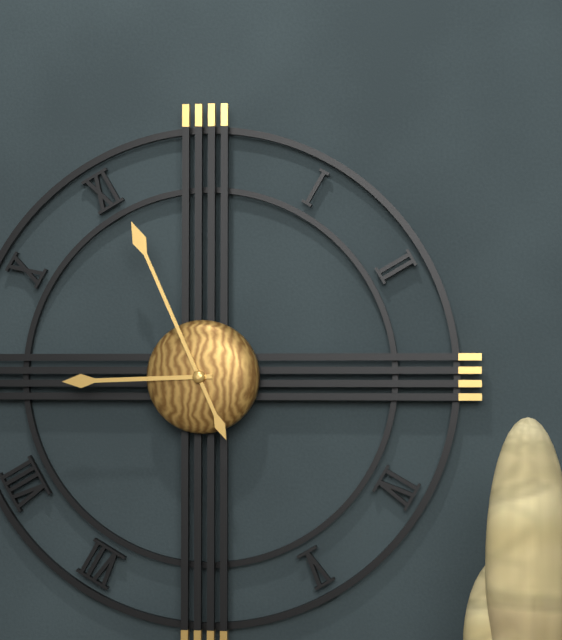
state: 8:56
